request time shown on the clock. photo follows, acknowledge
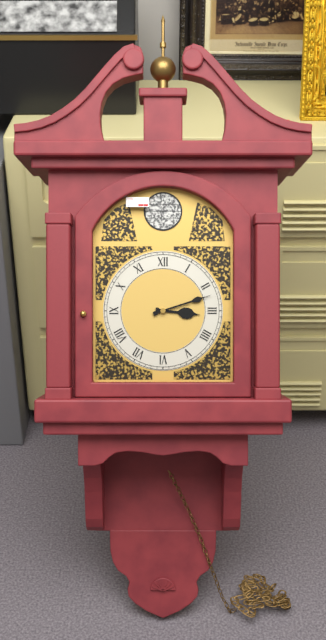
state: 3:12
